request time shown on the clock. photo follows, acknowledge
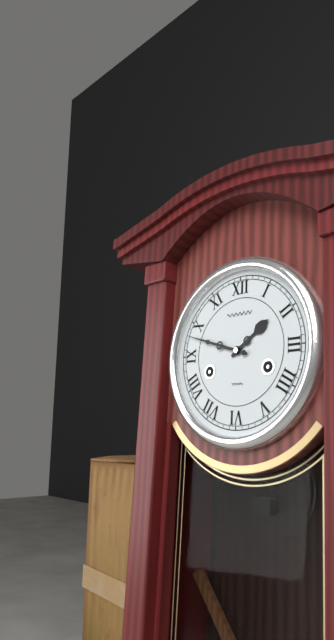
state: 1:48
